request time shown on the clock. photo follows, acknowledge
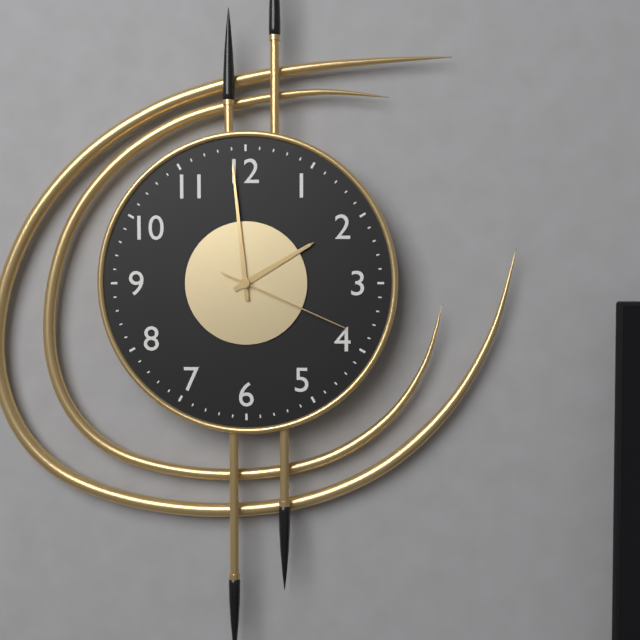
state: 1:59:19
